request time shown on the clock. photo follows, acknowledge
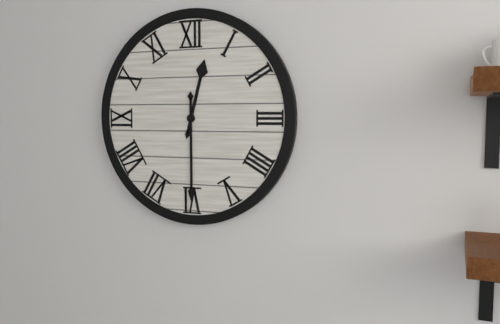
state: 12:30
